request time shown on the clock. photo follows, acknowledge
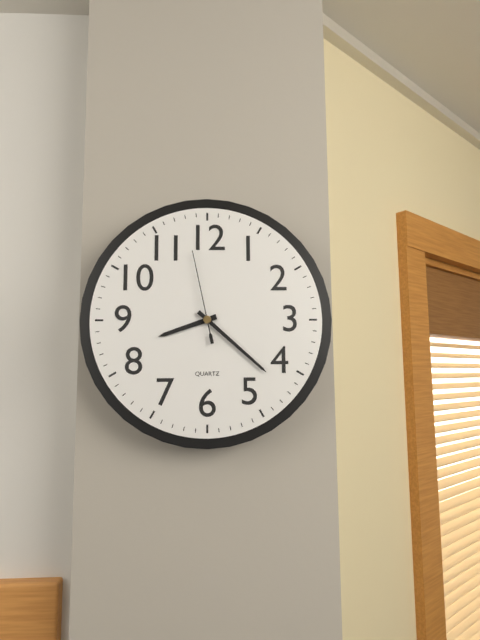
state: 8:22:58
